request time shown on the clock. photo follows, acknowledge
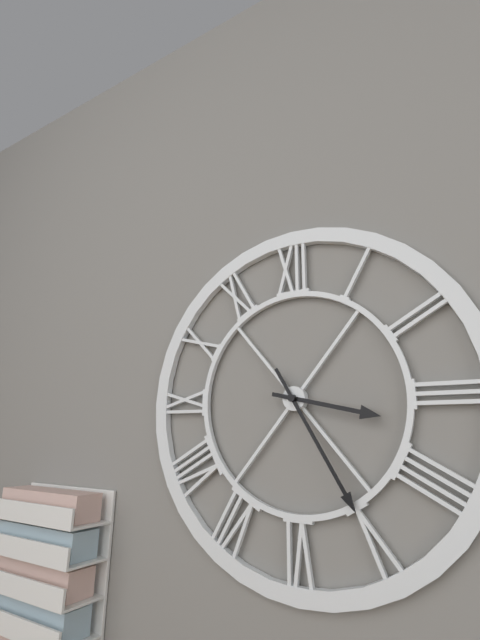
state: 3:25
